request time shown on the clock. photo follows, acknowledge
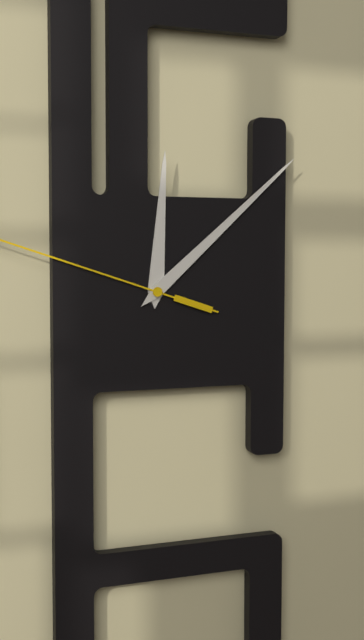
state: 12:08
